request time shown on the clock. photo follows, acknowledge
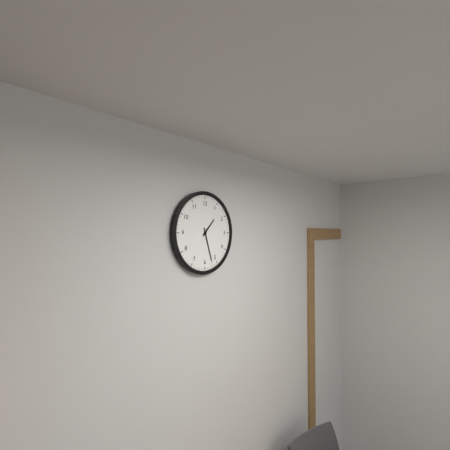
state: 1:27
